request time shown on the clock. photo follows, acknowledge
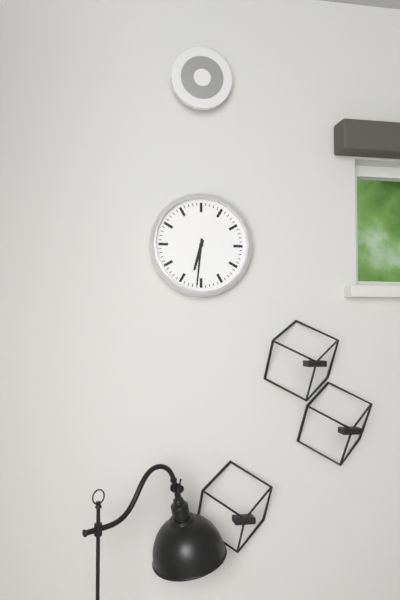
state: 6:31
